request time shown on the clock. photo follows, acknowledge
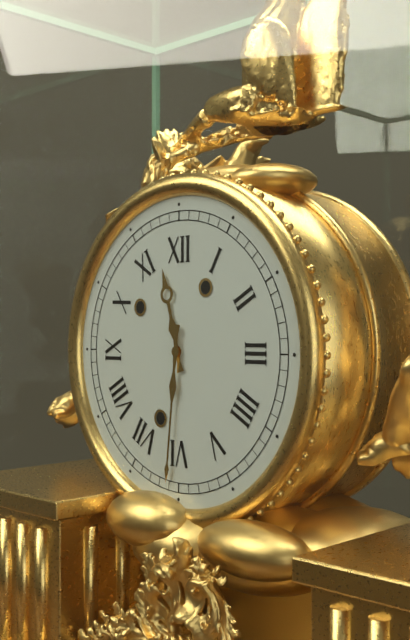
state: 11:31
